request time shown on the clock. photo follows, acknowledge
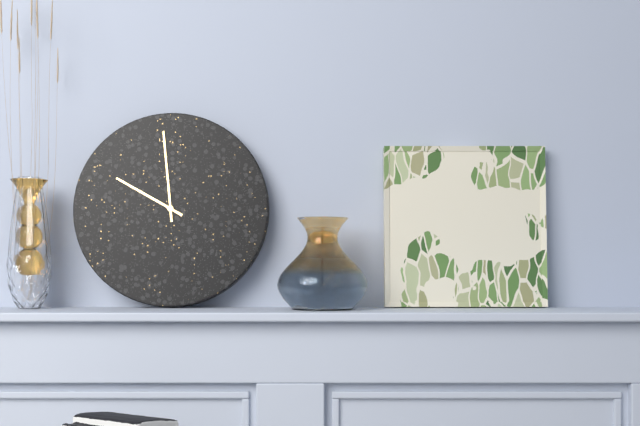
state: 9:59
